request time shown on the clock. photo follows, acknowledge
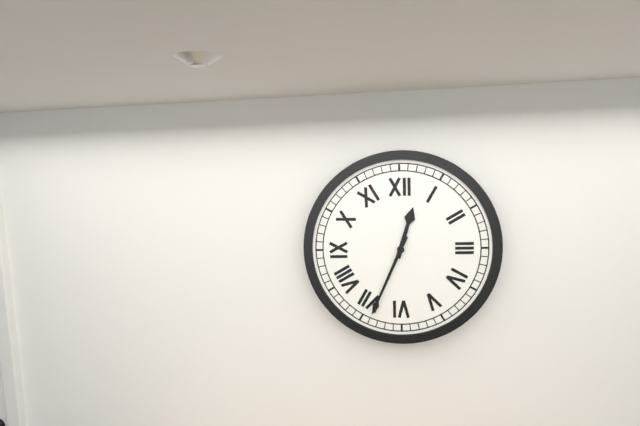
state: 12:34
